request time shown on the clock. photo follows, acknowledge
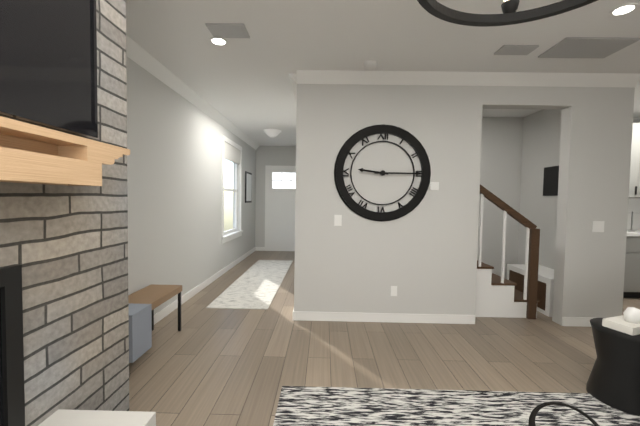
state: 9:15
